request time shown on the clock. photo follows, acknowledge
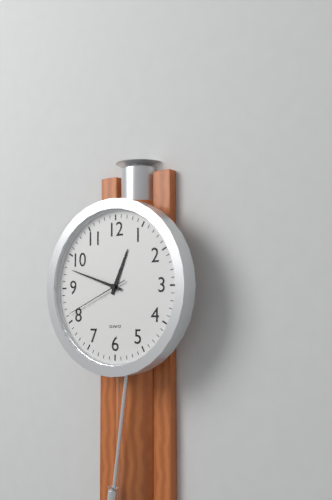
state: 12:48:41
